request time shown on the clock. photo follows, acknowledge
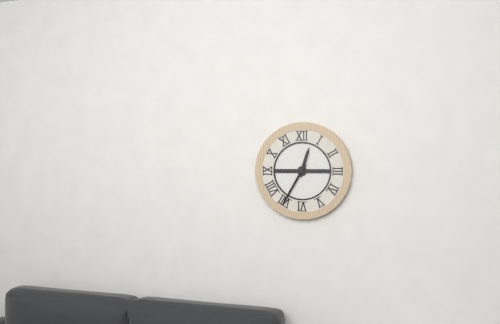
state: 12:35
